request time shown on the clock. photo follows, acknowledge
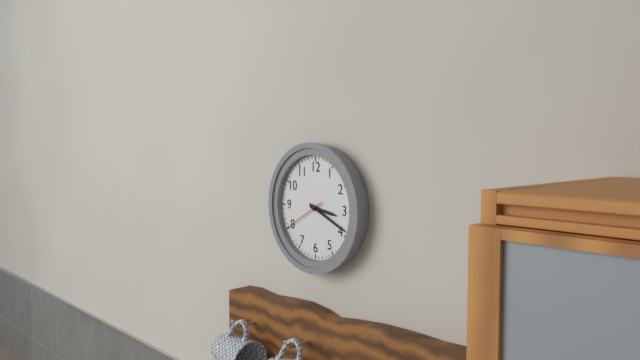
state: 3:19
